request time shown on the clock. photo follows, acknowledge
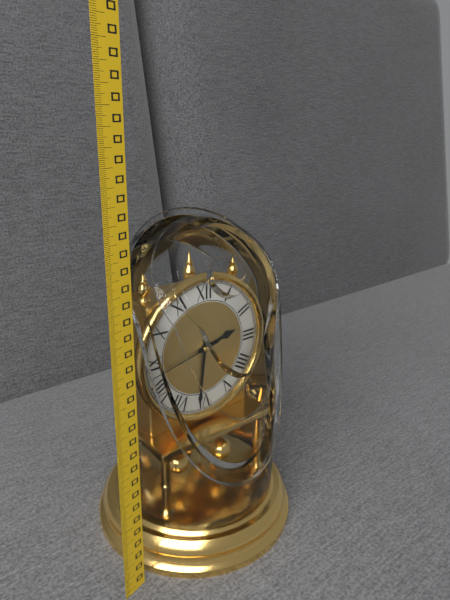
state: 2:31:43
